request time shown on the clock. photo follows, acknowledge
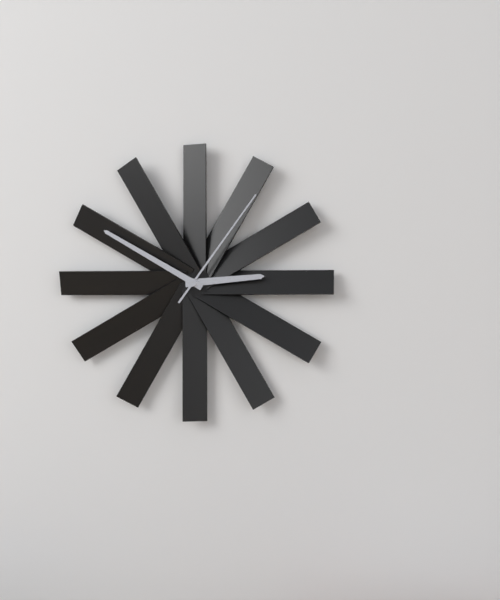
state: 2:50:06
